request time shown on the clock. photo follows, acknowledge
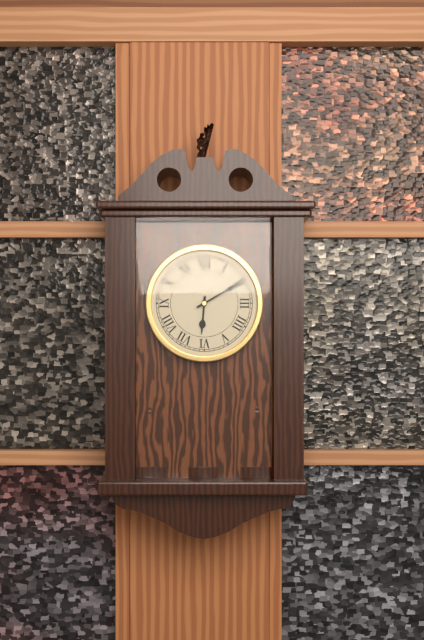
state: 6:10
